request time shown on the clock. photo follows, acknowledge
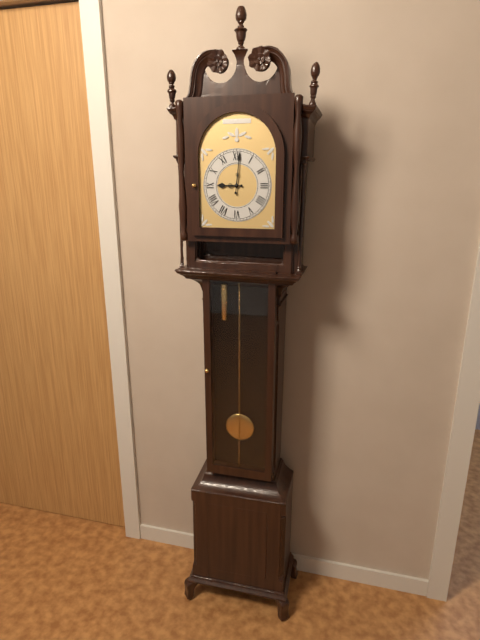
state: 9:01
